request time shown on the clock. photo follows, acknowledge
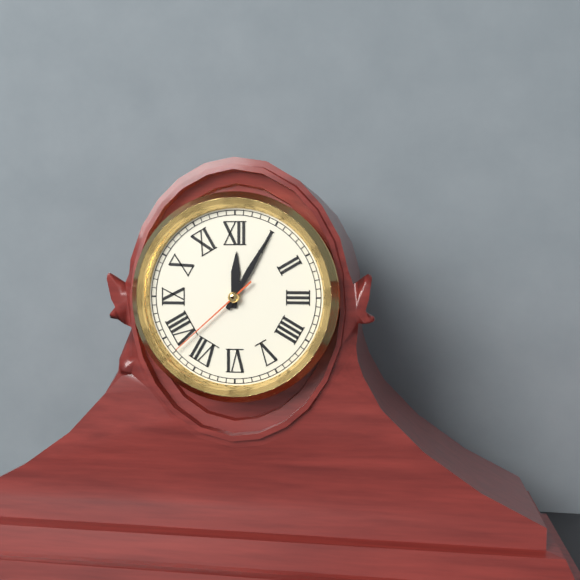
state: 12:05:38
